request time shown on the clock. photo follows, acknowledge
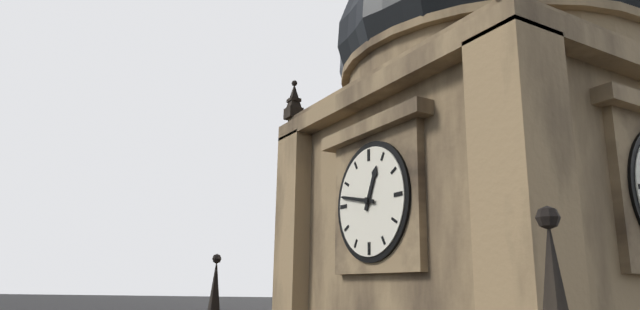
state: 12:47
